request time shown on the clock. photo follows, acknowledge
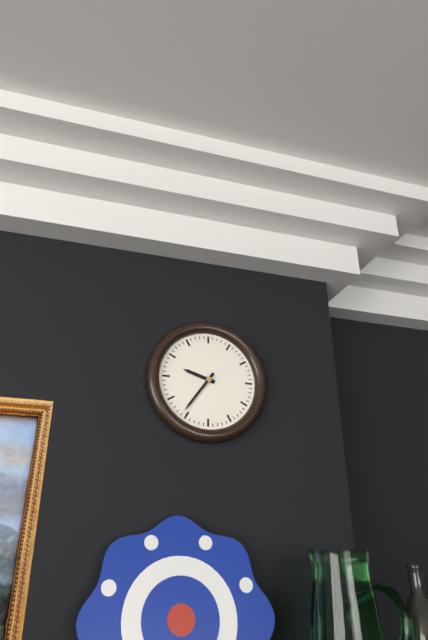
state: 9:36
